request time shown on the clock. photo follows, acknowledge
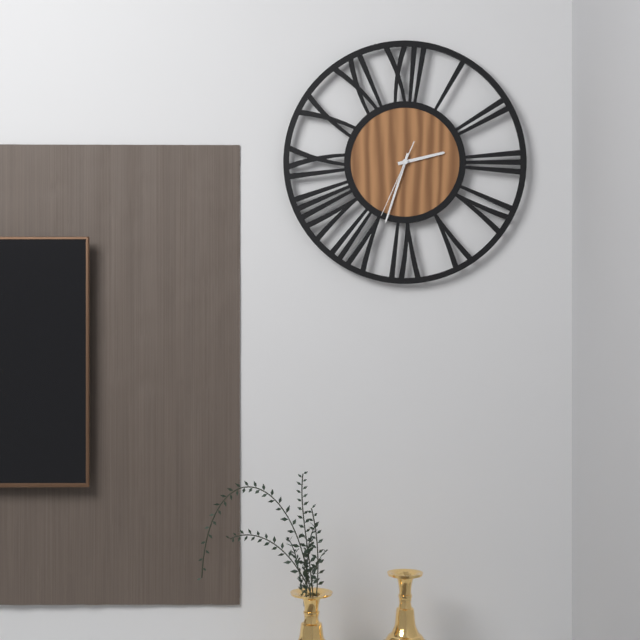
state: 2:33:34
